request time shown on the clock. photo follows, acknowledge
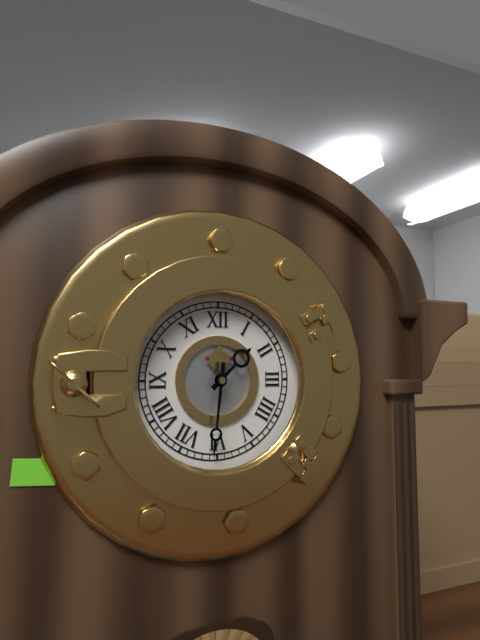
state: 1:31
